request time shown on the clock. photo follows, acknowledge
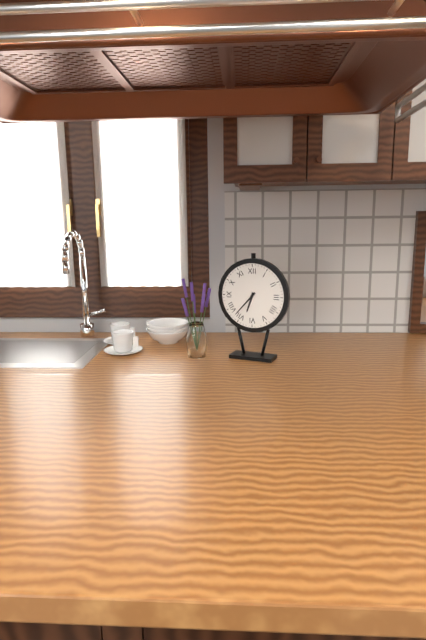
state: 6:37
